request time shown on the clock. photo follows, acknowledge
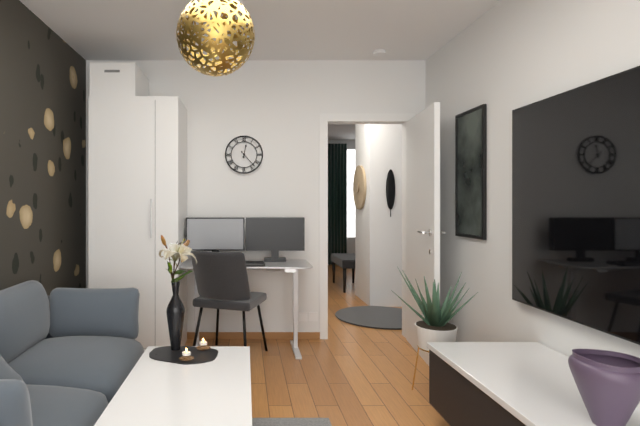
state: 12:23
